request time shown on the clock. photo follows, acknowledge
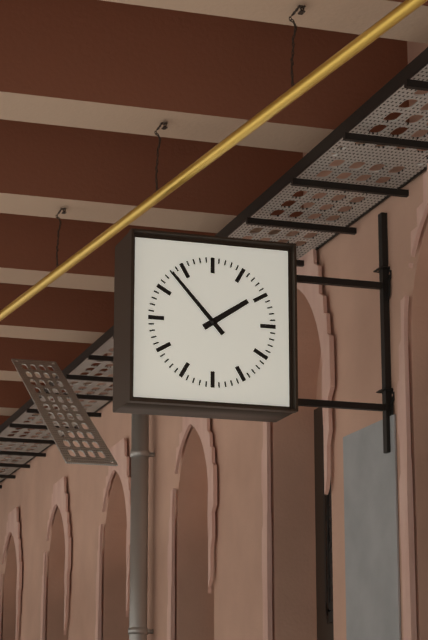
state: 1:53
